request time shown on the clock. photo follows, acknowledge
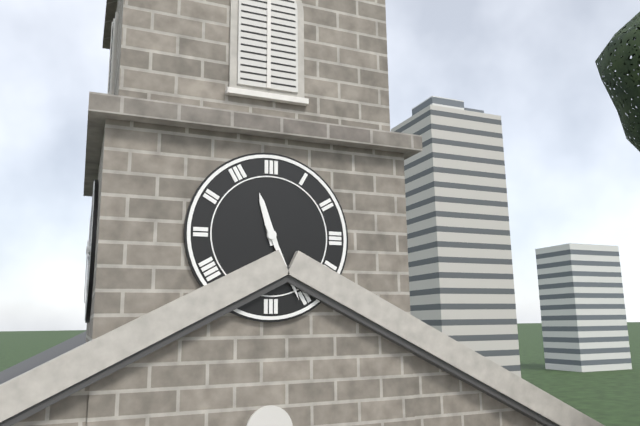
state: 11:26
